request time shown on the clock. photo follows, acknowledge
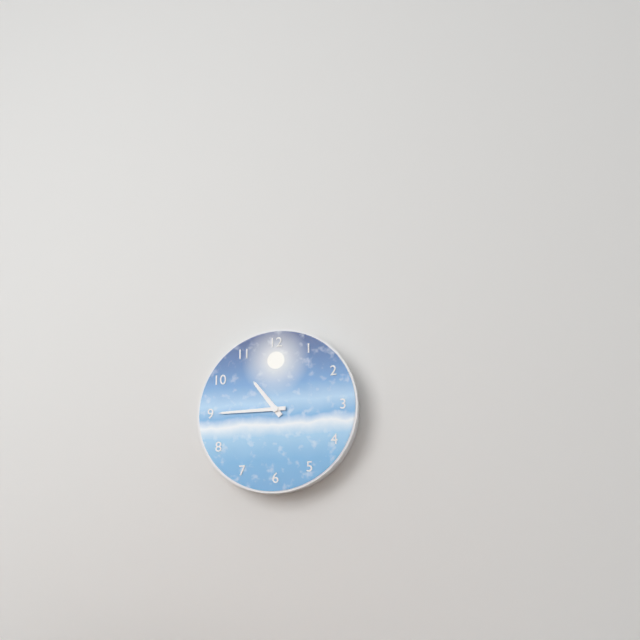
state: 10:45
